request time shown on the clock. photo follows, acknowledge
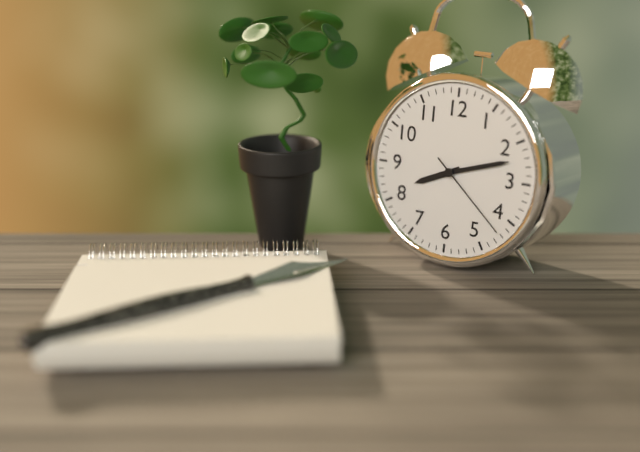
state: 8:12:22
